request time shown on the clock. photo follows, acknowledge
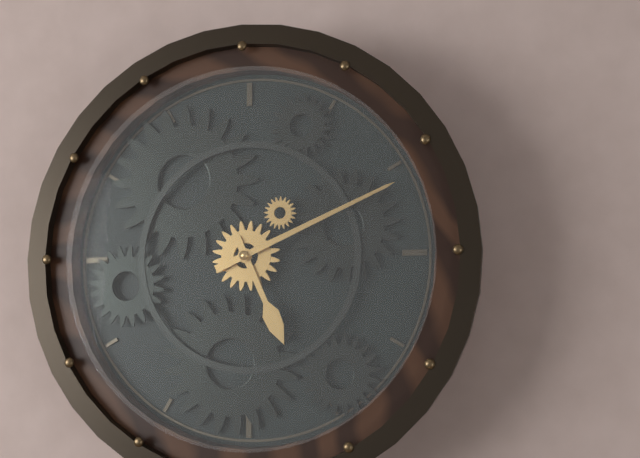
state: 5:11
